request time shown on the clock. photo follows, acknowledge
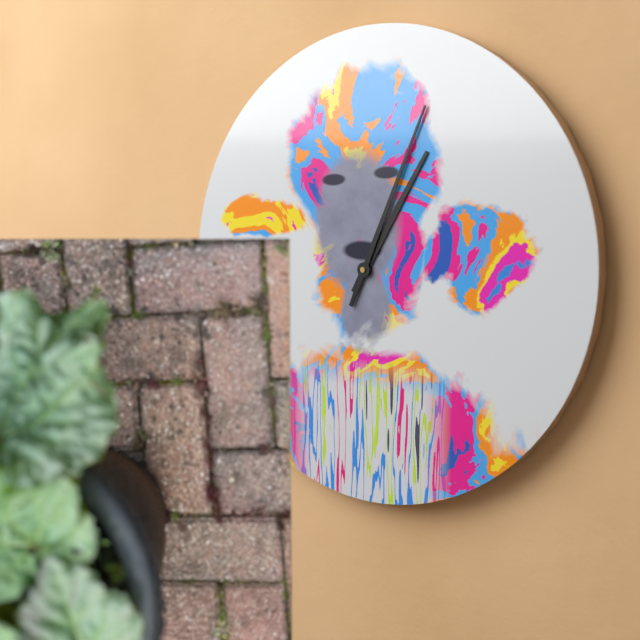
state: 1:04
